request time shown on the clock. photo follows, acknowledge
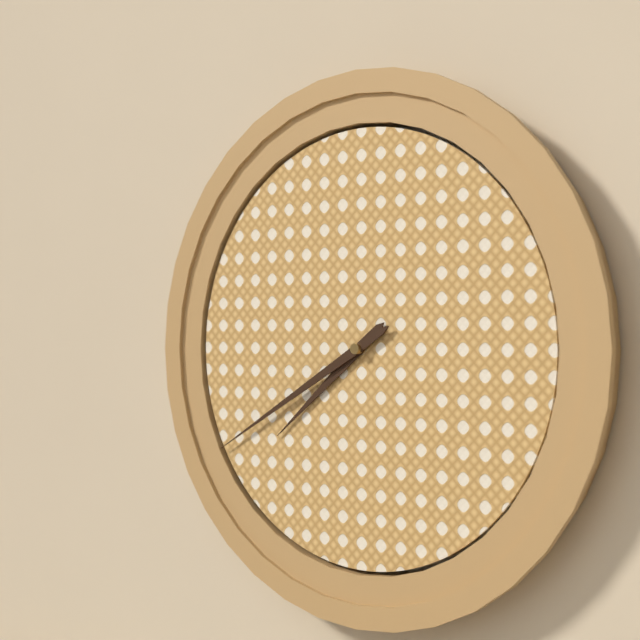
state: 7:40
